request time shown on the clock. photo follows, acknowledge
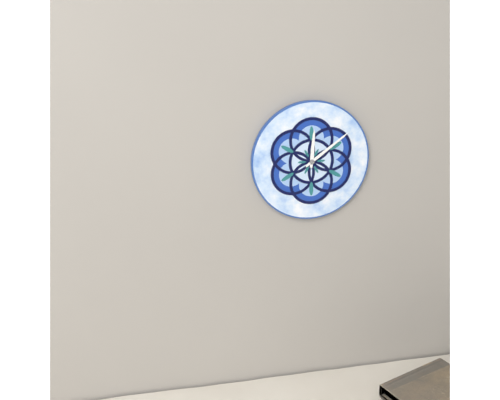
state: 12:09
